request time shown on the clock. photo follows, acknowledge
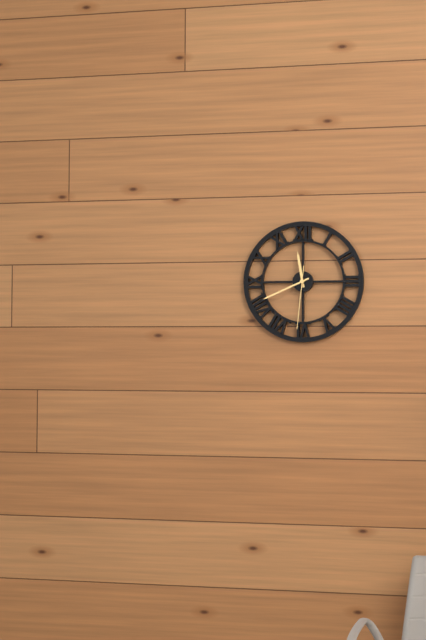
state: 11:41:31
